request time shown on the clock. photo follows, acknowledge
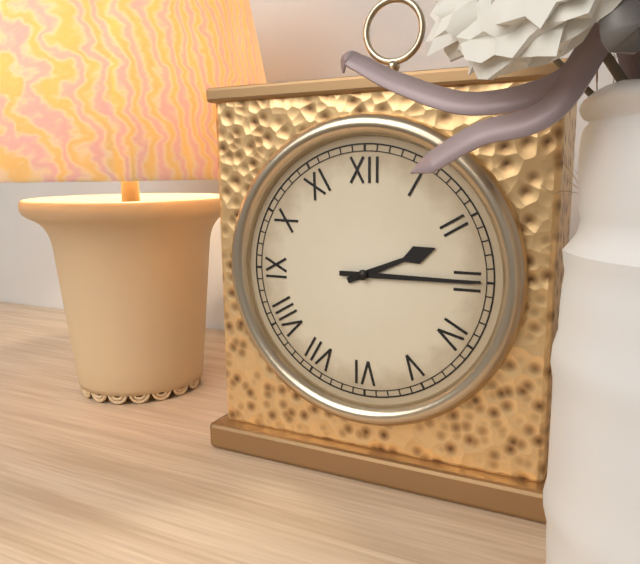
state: 2:15
